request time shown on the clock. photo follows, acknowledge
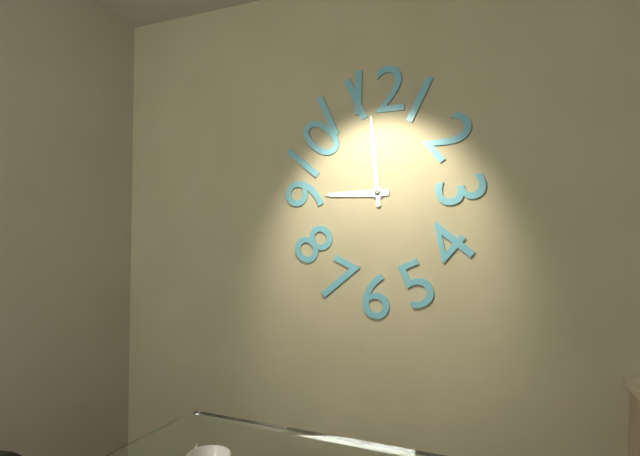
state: 8:59
